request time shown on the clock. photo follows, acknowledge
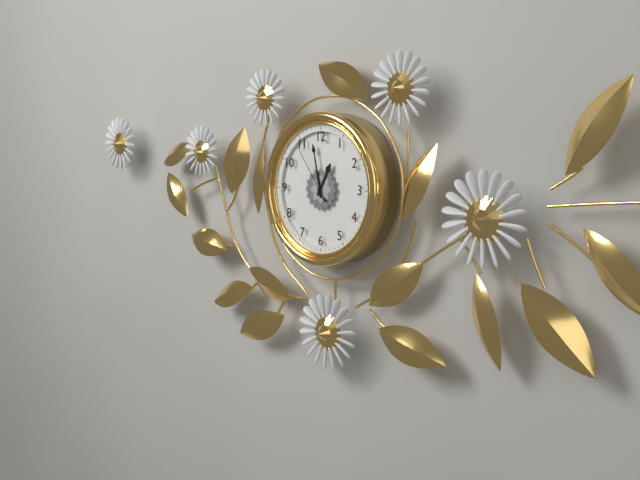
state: 12:58:54
